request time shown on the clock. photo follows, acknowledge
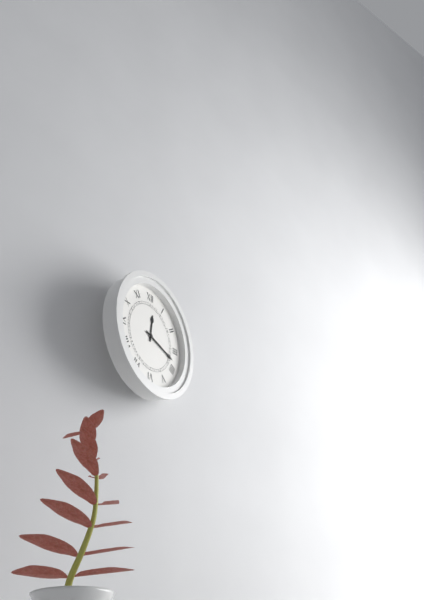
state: 12:18
